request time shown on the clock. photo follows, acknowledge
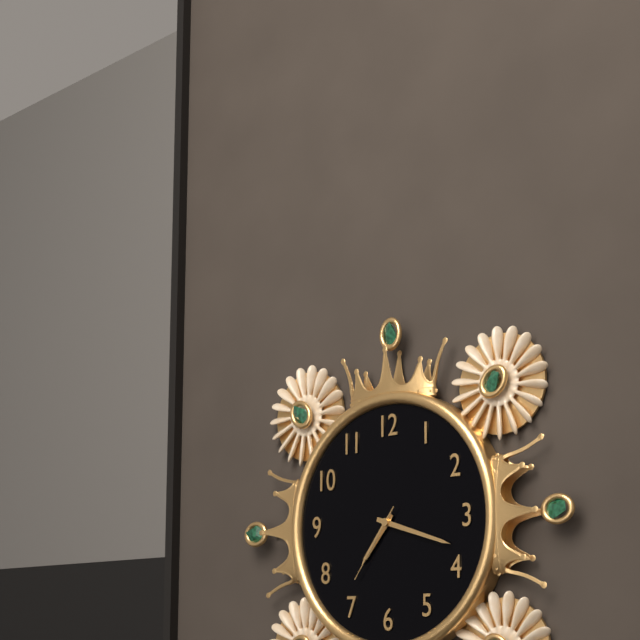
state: 7:18:36
